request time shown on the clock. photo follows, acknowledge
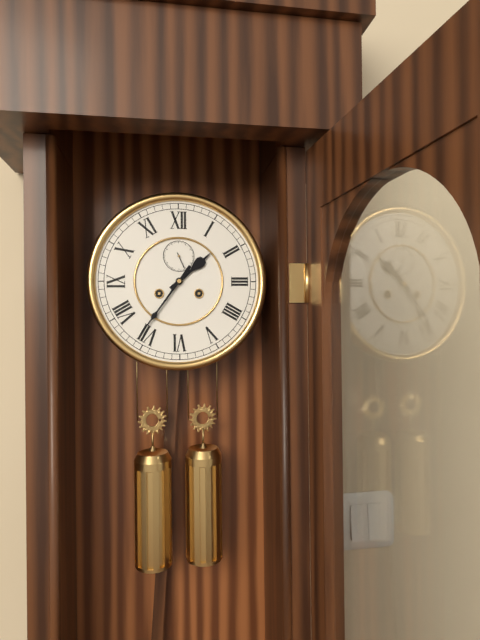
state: 1:36
